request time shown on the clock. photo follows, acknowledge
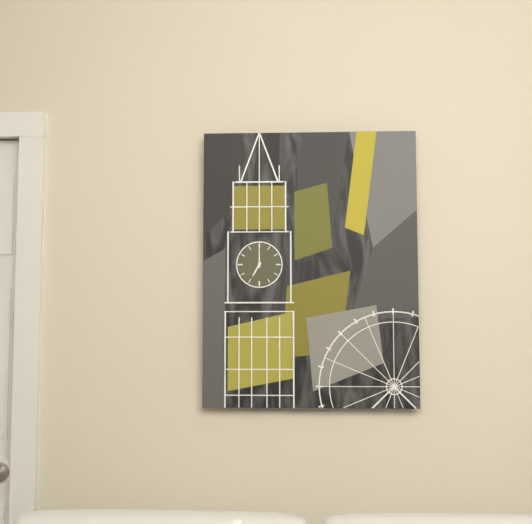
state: 7:00
